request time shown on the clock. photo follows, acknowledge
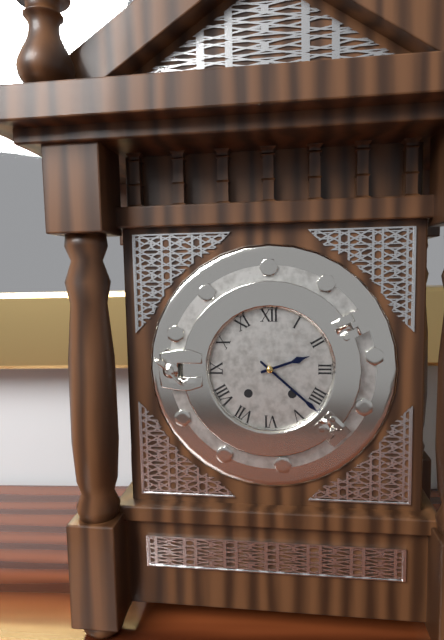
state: 2:22
